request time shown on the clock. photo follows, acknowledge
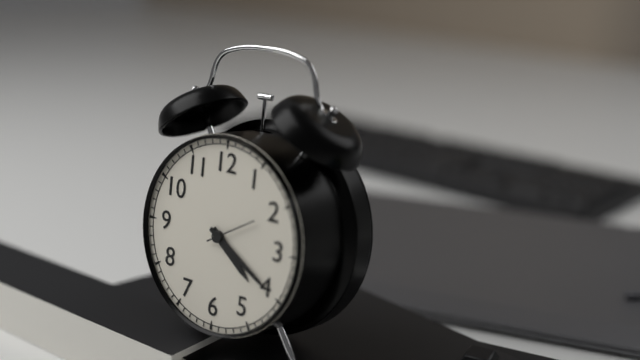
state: 4:20
